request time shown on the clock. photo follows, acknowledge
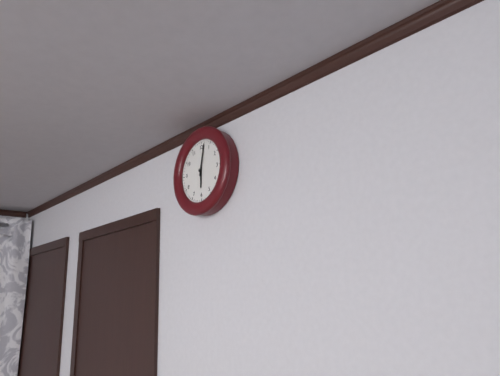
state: 6:02
